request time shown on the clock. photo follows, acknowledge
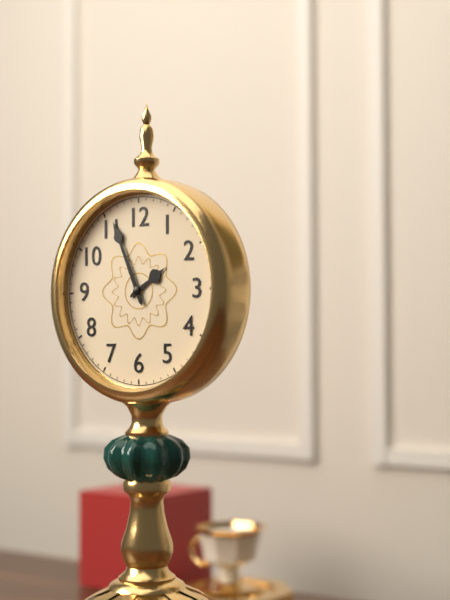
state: 1:56
